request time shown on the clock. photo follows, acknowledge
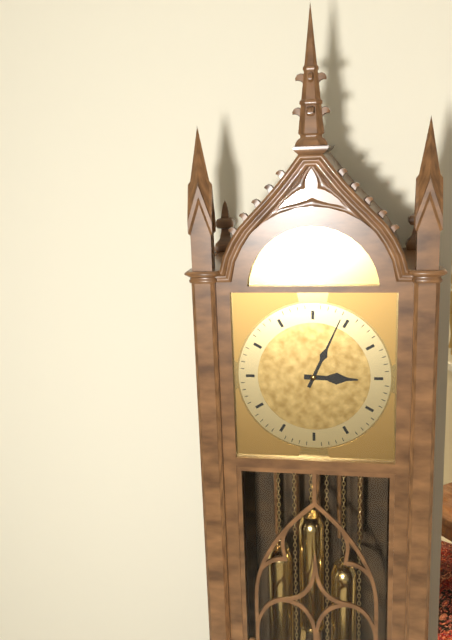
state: 3:04
